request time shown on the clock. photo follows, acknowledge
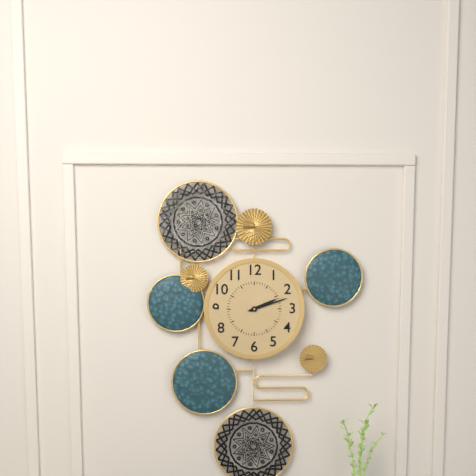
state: 2:12
